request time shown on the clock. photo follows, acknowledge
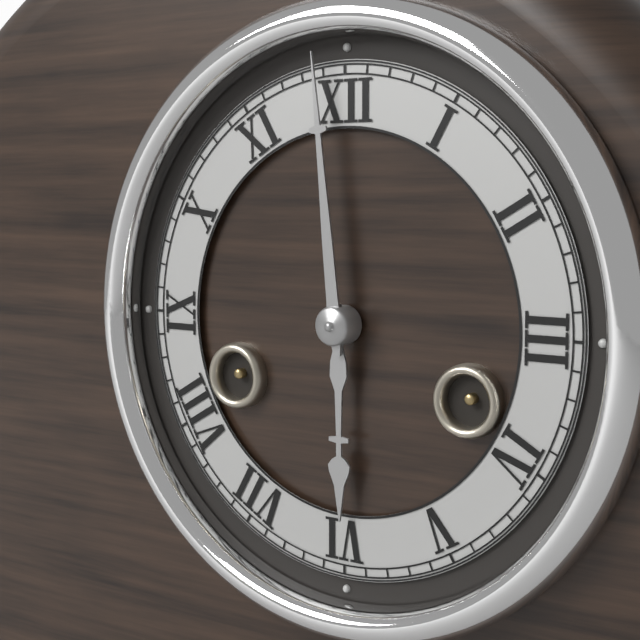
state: 5:59
